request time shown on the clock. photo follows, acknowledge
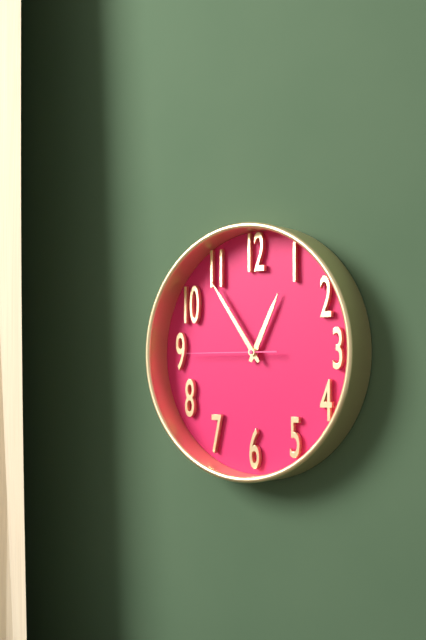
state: 12:54:45
